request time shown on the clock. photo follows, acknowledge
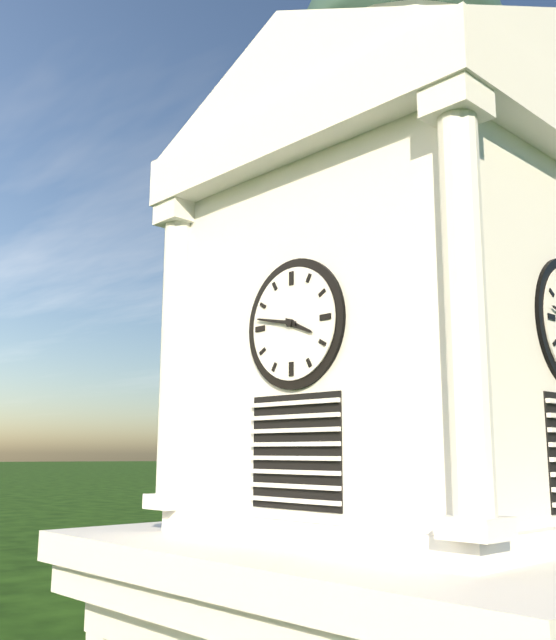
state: 3:47
